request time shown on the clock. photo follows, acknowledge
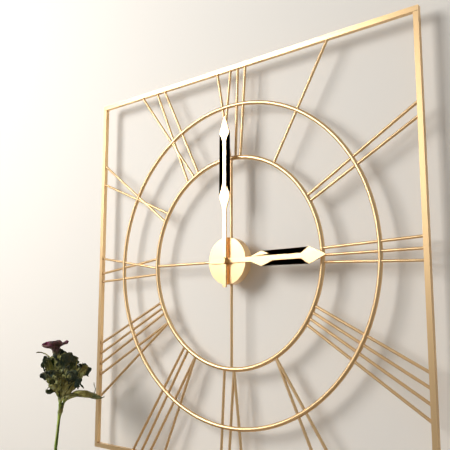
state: 3:00
